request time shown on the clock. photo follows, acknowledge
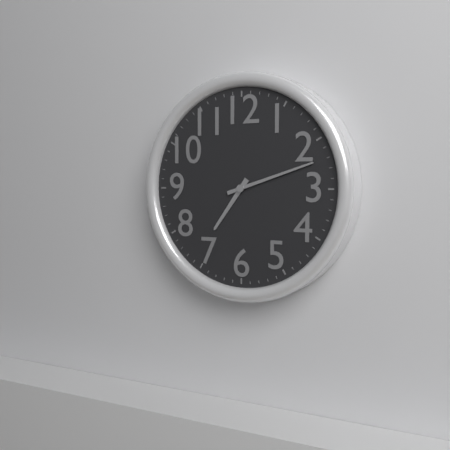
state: 7:12
